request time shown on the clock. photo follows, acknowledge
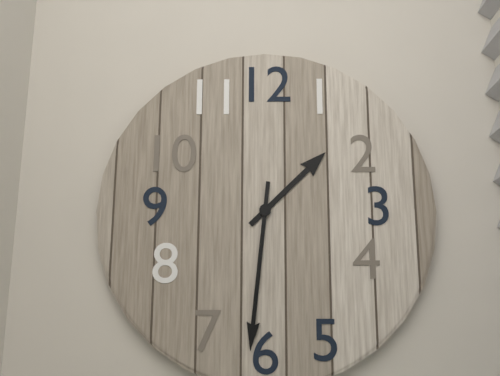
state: 1:31
